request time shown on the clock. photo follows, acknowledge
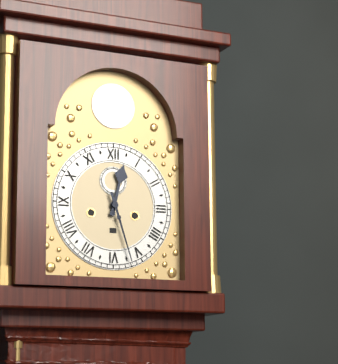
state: 12:27
